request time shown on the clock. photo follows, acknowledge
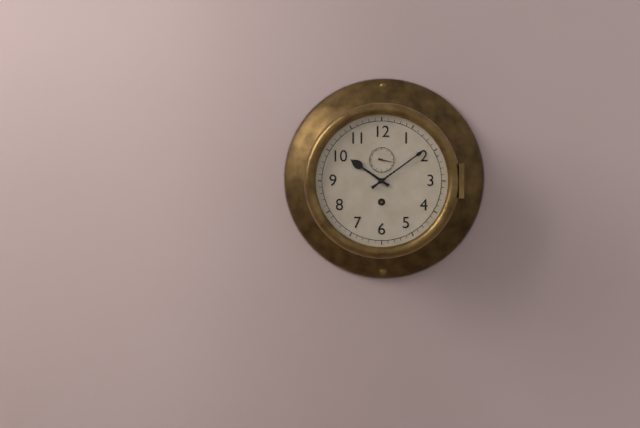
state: 10:09
